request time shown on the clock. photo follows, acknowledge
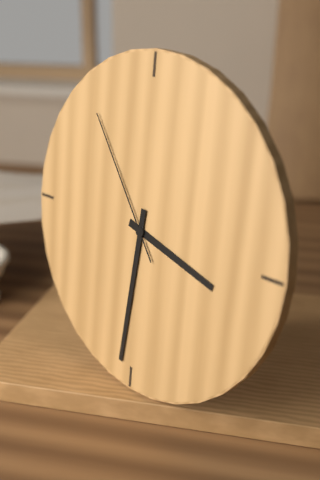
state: 3:31:54
